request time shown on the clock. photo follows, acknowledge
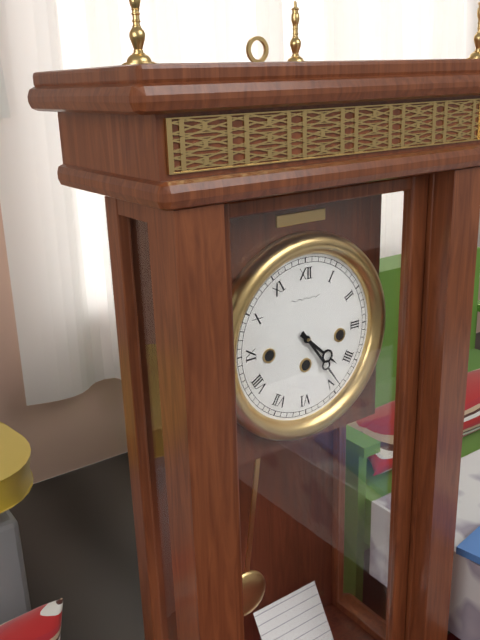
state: 4:24
